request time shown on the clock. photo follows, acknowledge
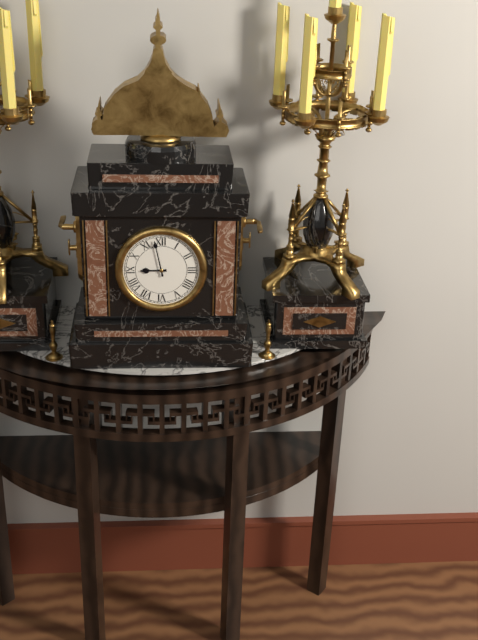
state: 8:58
